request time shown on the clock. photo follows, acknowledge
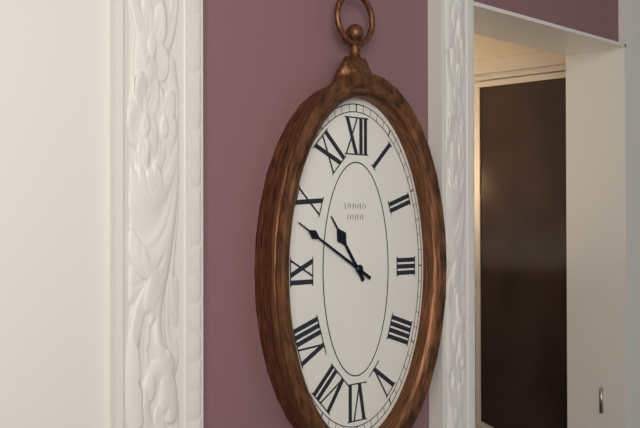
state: 10:50
